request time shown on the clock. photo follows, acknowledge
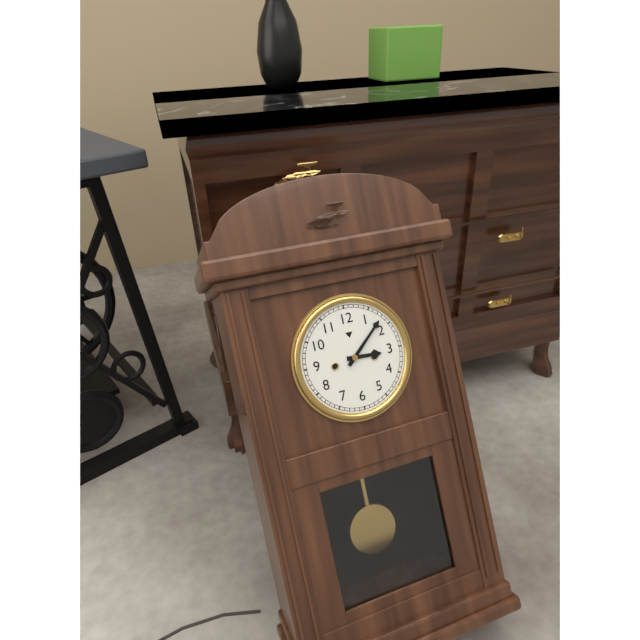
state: 3:08
